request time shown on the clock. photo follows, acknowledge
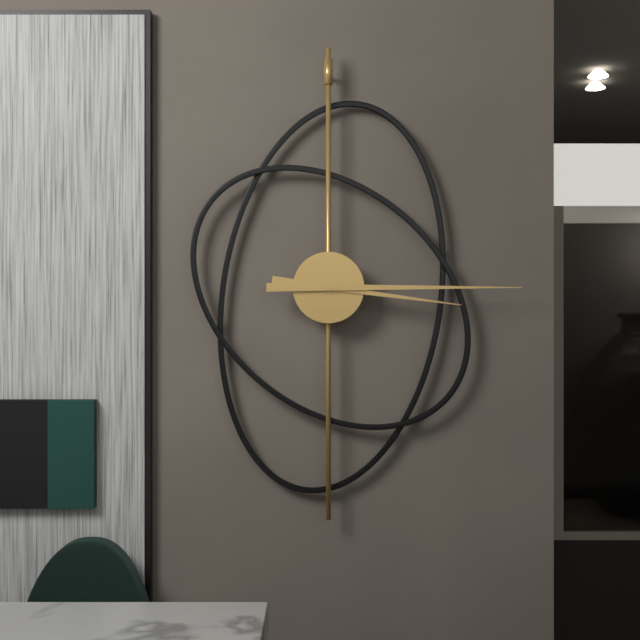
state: 3:15
